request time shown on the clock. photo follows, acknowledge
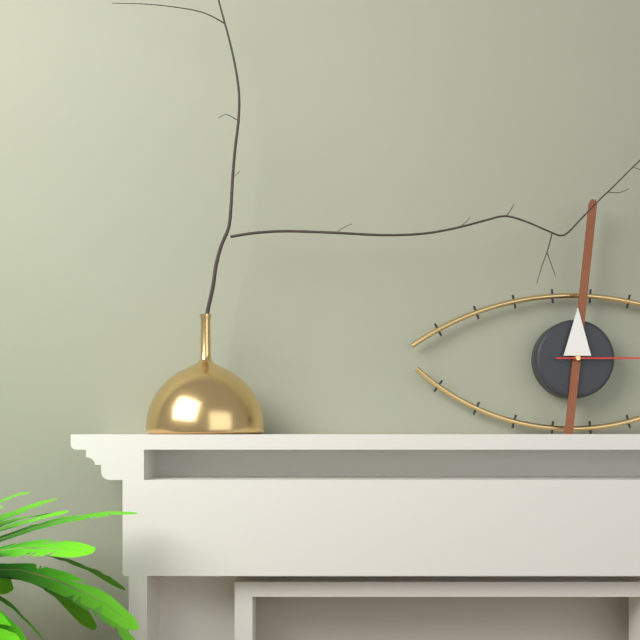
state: 12:01
